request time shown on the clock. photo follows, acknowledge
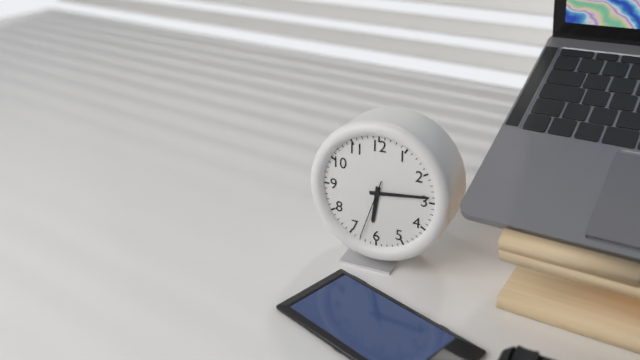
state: 6:14:33
